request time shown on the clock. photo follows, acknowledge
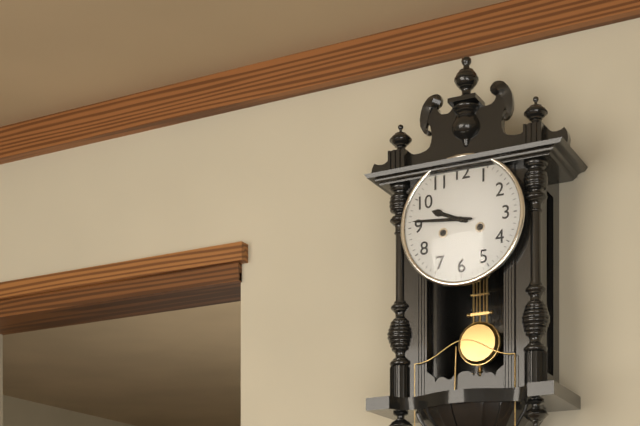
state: 9:46
